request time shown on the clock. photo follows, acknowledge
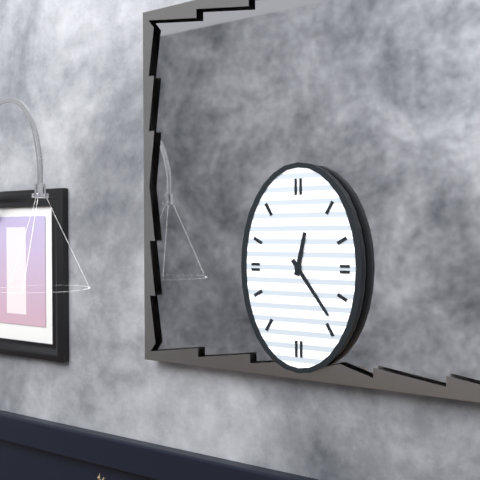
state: 12:24
